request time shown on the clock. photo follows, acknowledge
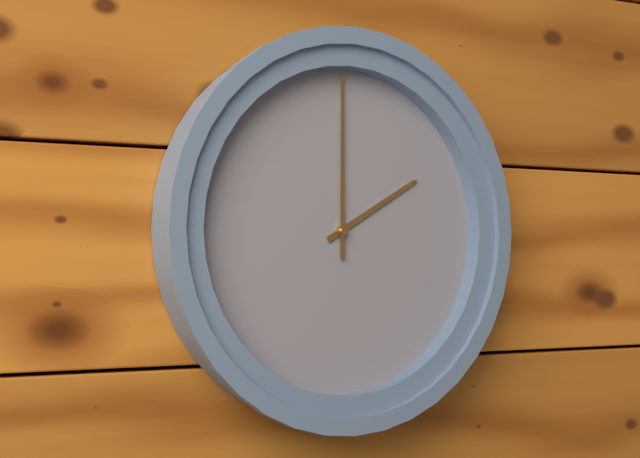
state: 2:00
